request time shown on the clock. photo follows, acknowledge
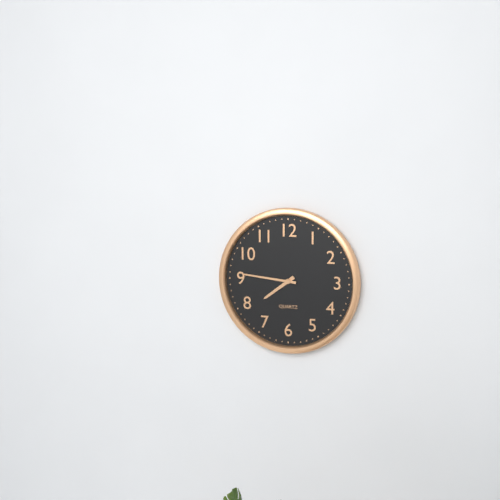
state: 7:46
